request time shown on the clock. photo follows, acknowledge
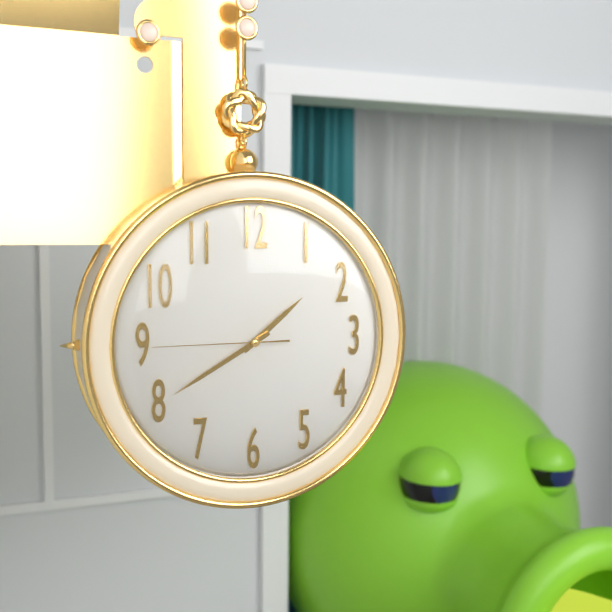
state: 1:40:45
